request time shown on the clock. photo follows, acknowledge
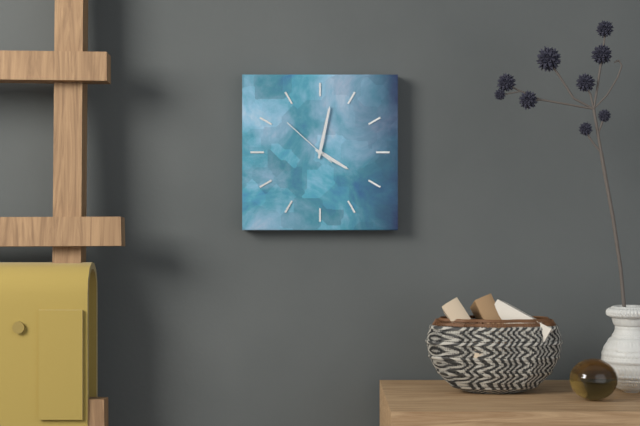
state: 4:02:52
